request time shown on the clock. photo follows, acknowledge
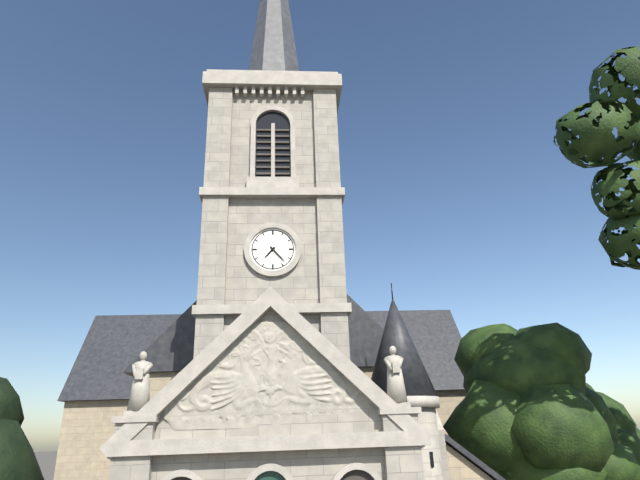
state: 7:23
